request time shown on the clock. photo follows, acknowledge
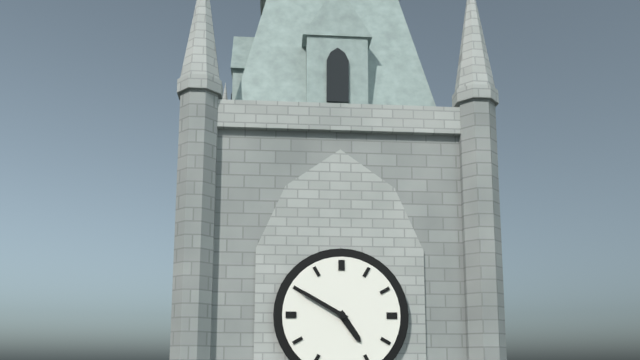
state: 4:50
